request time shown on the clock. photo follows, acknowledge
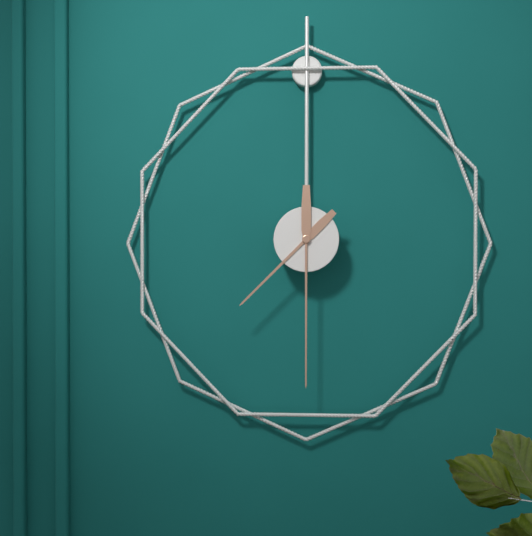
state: 7:30
